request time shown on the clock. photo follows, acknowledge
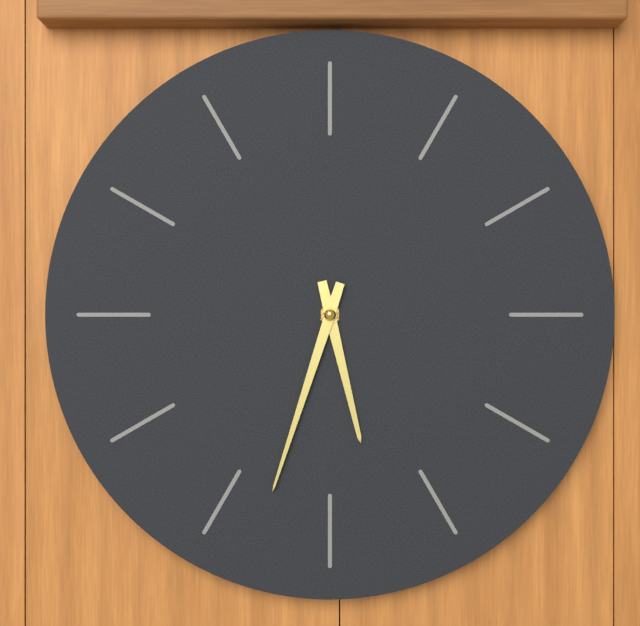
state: 5:33
